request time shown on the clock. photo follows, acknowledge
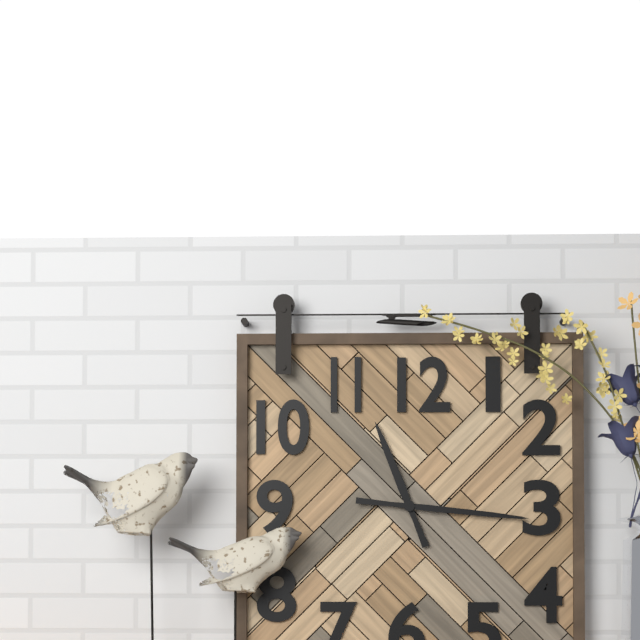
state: 11:16
